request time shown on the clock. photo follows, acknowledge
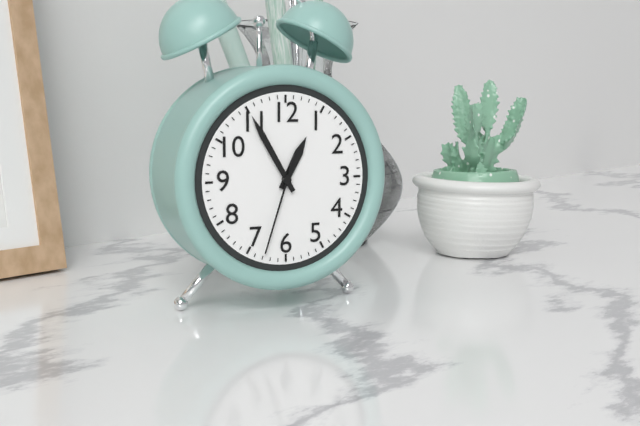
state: 12:55:33
